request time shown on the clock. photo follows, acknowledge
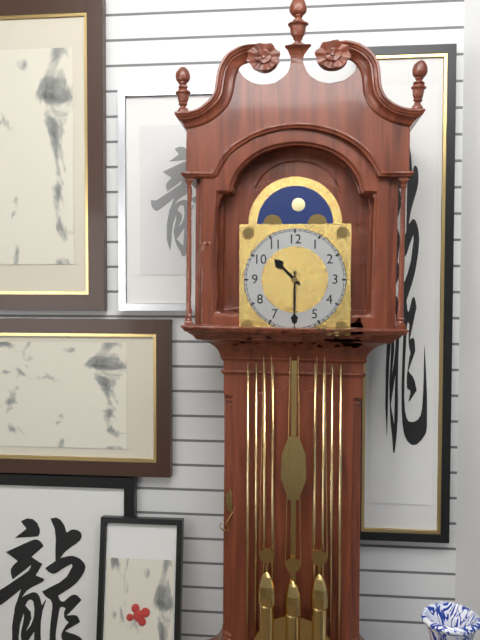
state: 10:30
